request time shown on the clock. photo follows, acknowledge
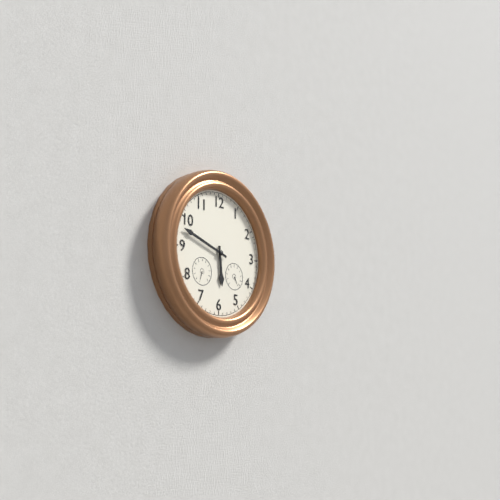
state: 5:48
